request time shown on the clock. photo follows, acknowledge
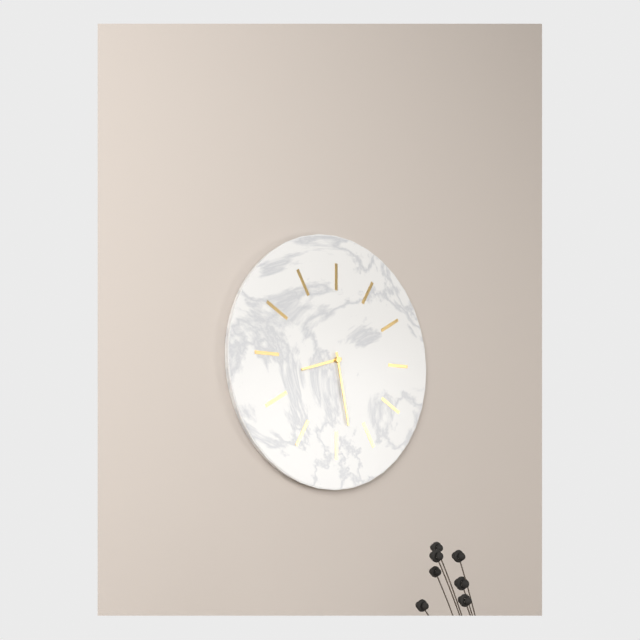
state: 8:28
